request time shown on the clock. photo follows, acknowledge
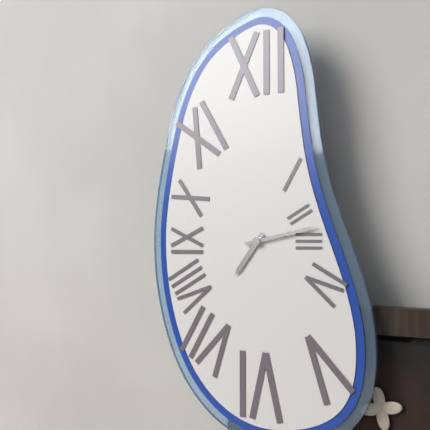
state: 7:13
